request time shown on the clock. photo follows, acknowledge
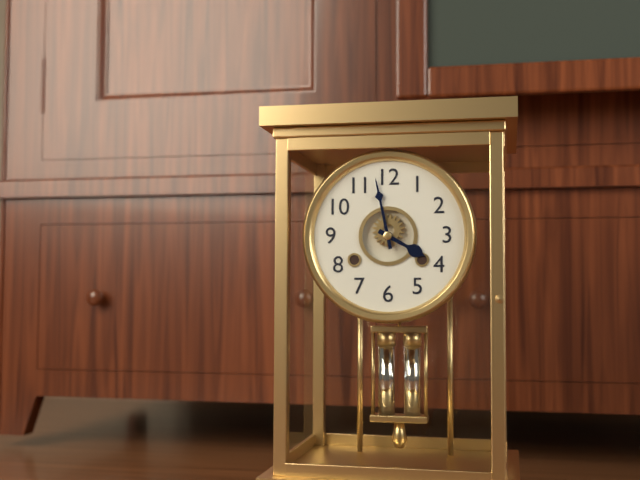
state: 3:58
